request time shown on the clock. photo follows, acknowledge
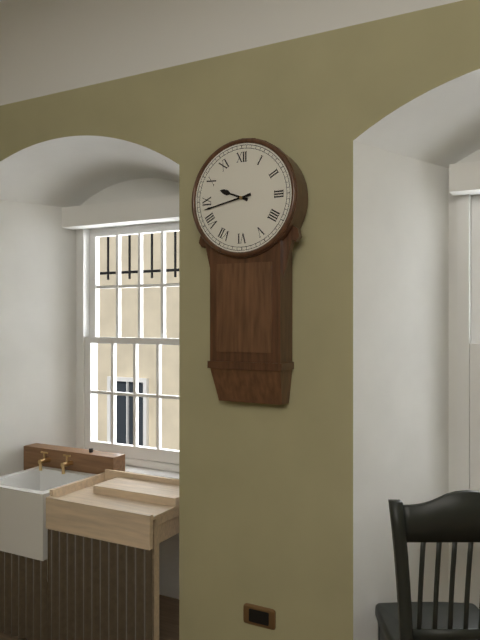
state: 9:43
